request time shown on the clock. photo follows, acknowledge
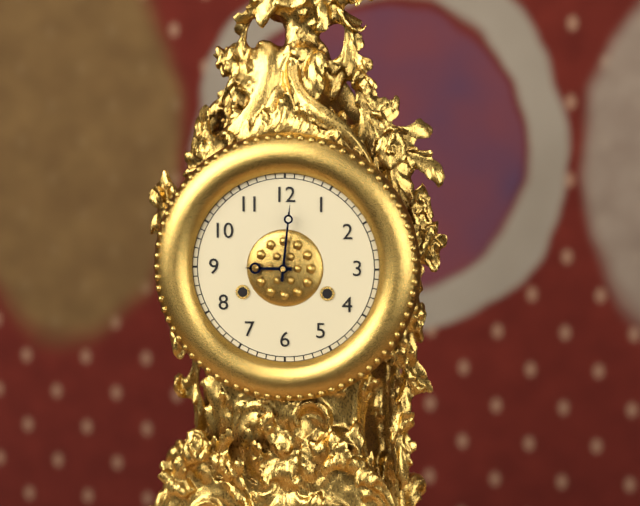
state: 9:01
